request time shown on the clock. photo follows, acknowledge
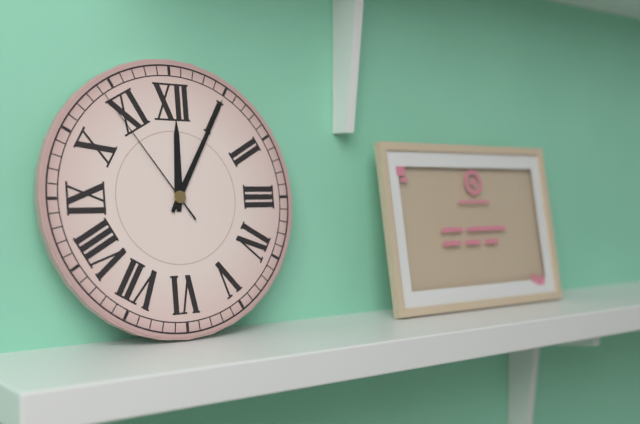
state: 12:05:54
